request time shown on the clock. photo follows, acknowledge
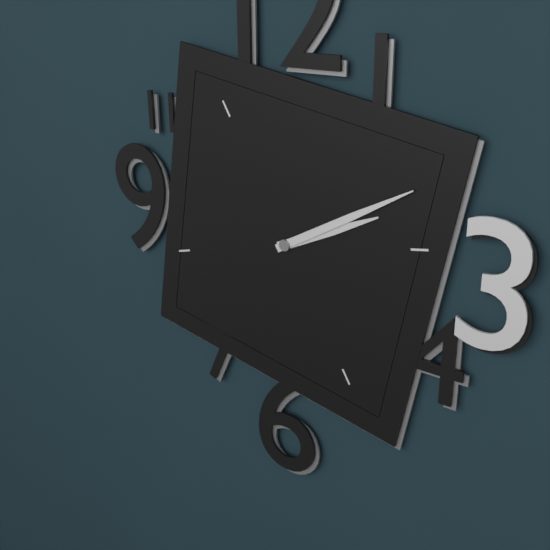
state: 2:10
